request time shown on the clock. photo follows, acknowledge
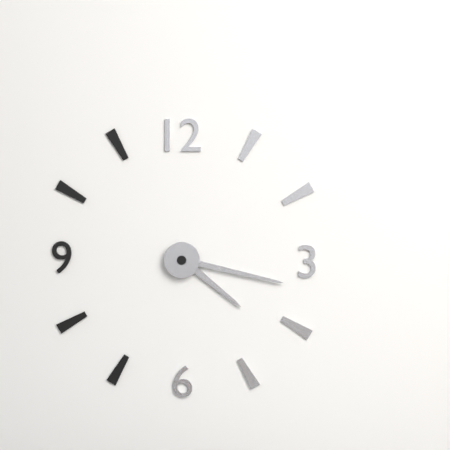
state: 4:17
